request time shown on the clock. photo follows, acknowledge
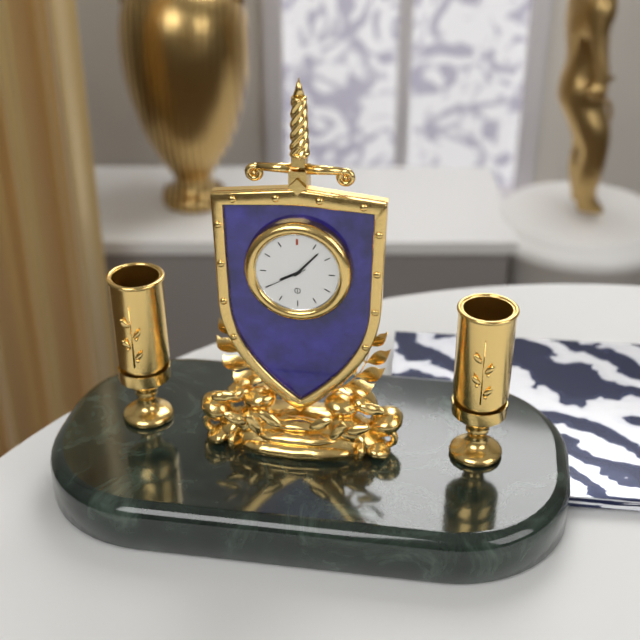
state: 8:07
